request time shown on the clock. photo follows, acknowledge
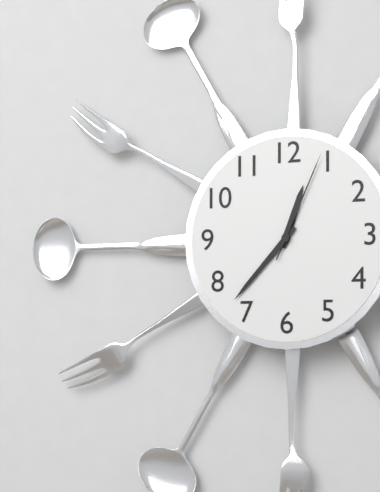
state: 12:37:04
